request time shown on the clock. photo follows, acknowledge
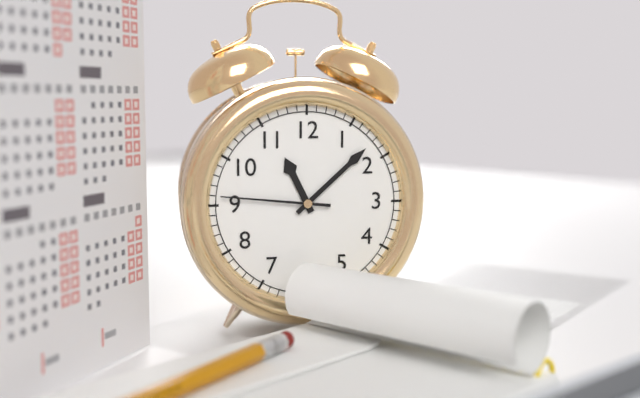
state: 11:08:46
